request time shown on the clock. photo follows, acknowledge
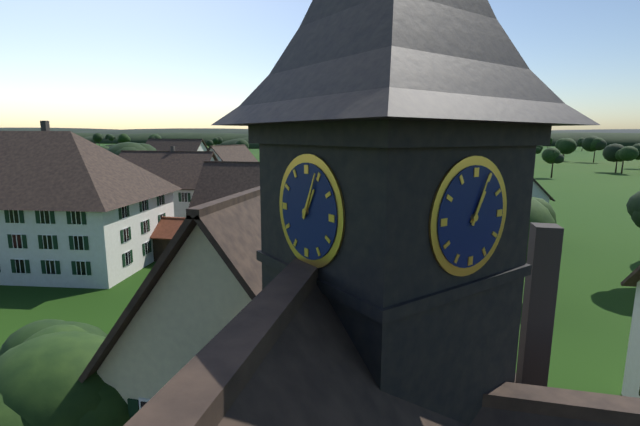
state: 1:04
